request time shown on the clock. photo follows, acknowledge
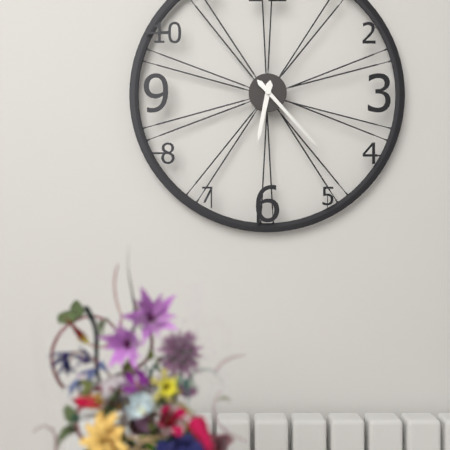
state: 6:23
